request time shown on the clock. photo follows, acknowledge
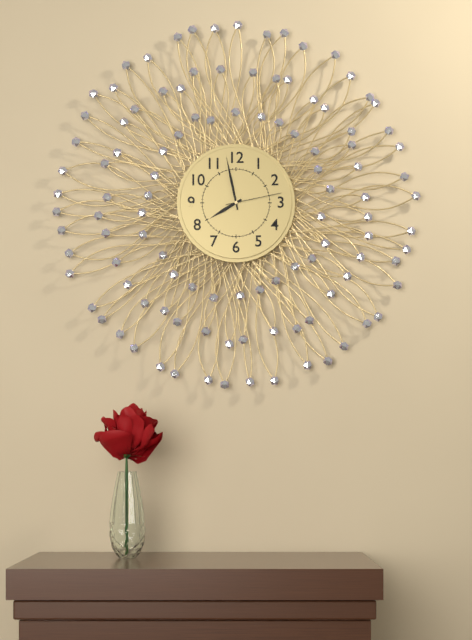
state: 7:58:13
